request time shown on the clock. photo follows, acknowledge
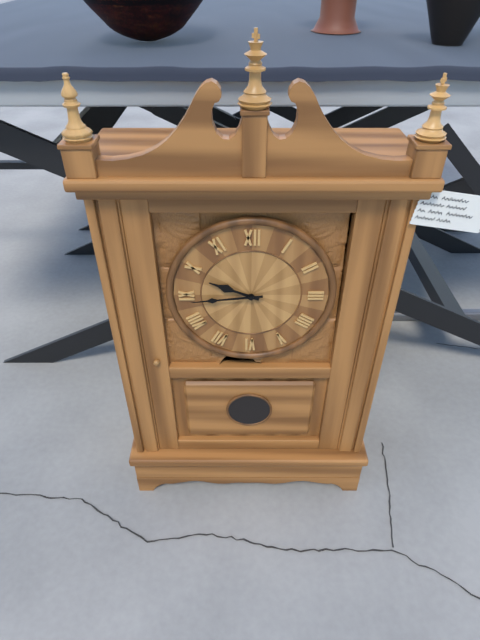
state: 9:44
